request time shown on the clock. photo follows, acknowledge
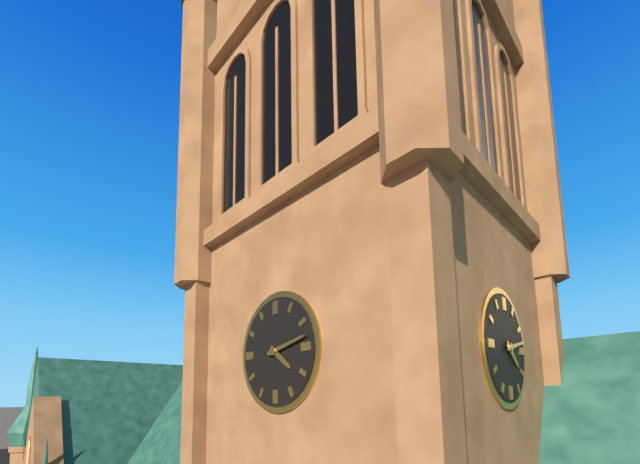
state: 4:13
